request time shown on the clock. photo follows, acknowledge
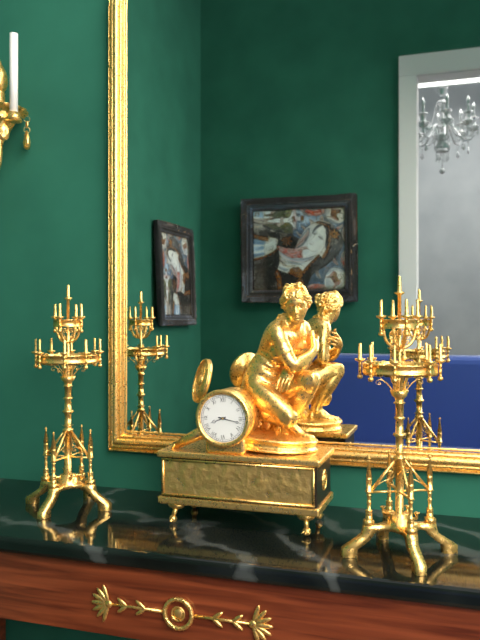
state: 8:17
